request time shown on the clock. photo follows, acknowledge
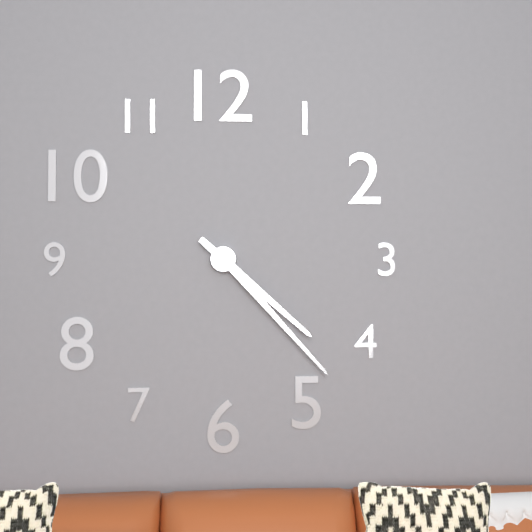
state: 4:23
